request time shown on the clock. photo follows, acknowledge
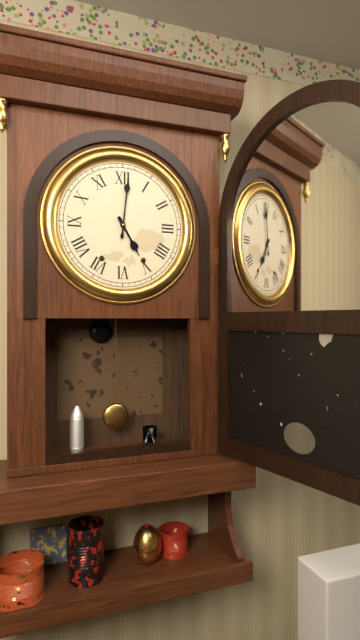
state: 5:01
